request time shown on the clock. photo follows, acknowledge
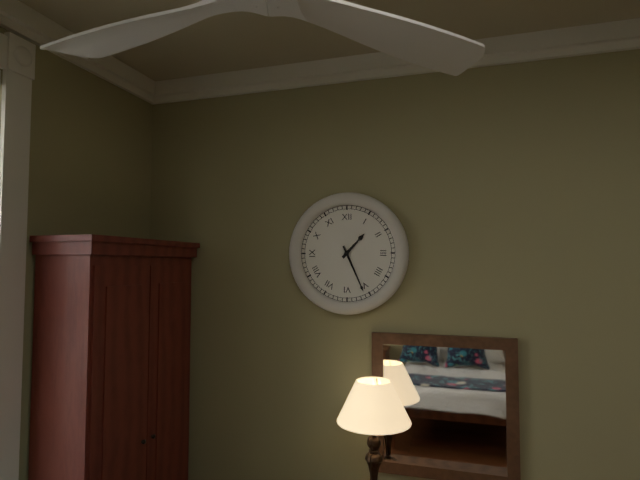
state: 1:26
